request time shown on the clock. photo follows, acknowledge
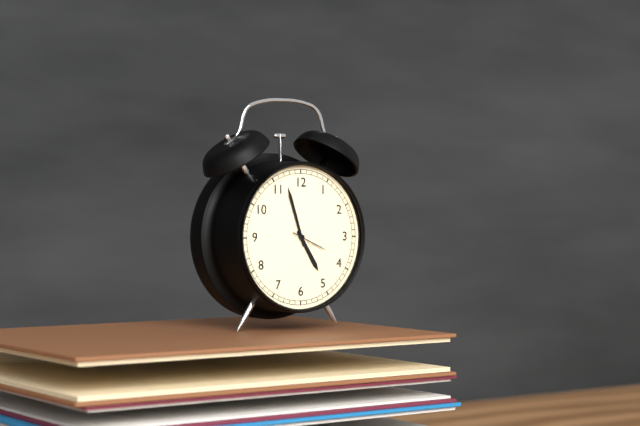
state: 4:57
